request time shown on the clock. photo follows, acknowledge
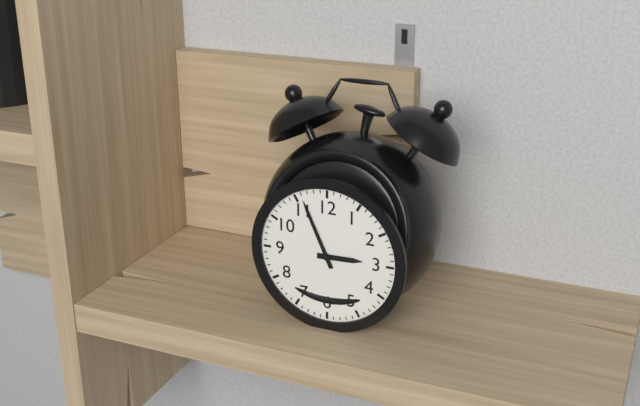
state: 2:56
